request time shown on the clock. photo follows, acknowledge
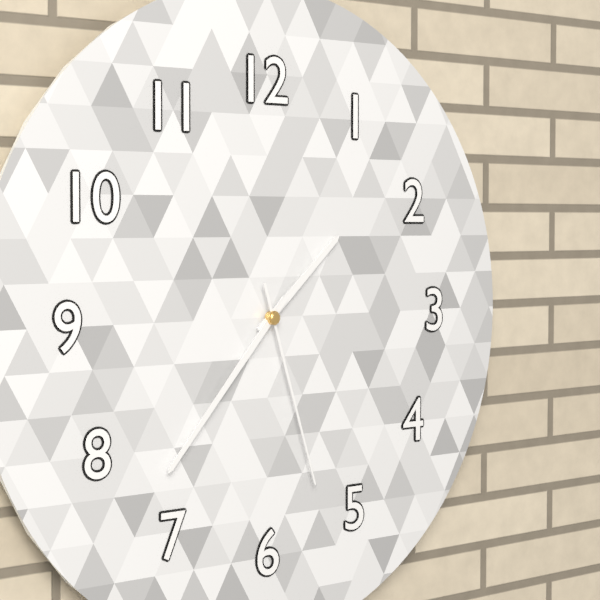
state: 1:37:27
